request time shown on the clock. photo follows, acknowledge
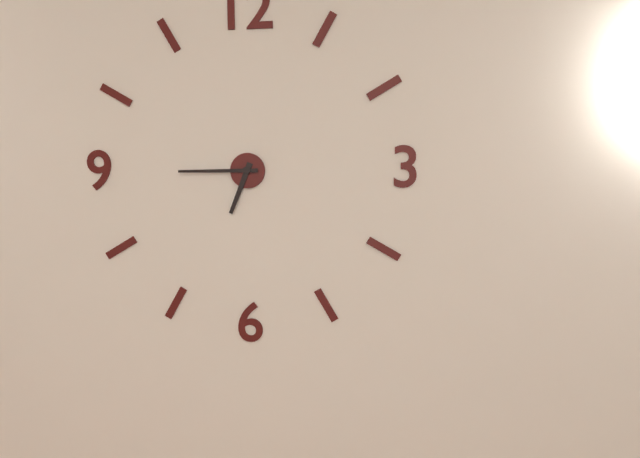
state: 6:45
